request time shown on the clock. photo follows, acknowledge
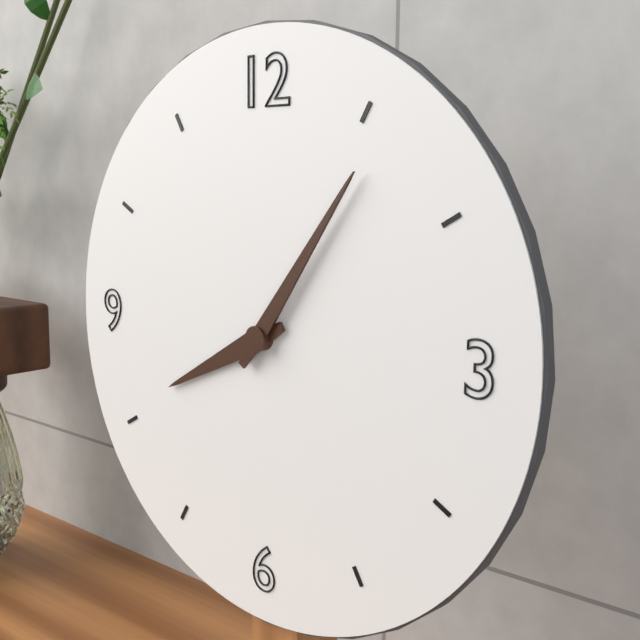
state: 8:06
